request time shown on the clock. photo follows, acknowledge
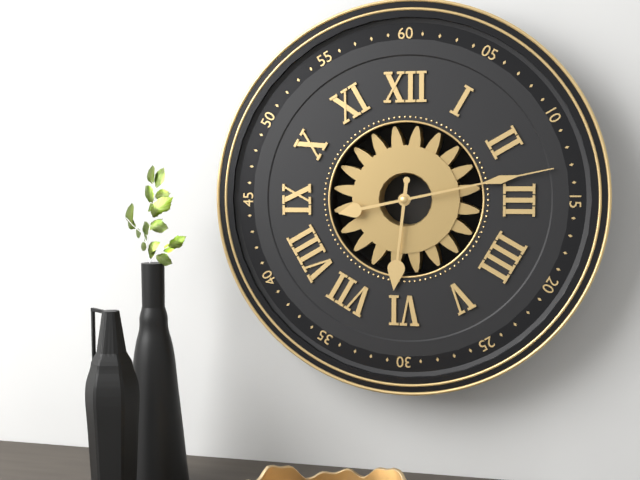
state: 6:13
